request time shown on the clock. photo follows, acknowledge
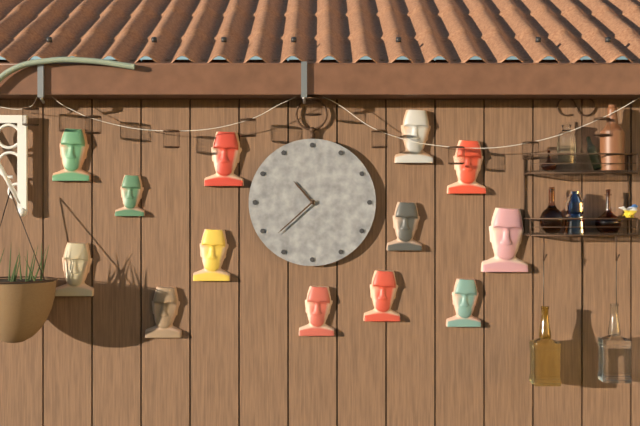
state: 10:38
